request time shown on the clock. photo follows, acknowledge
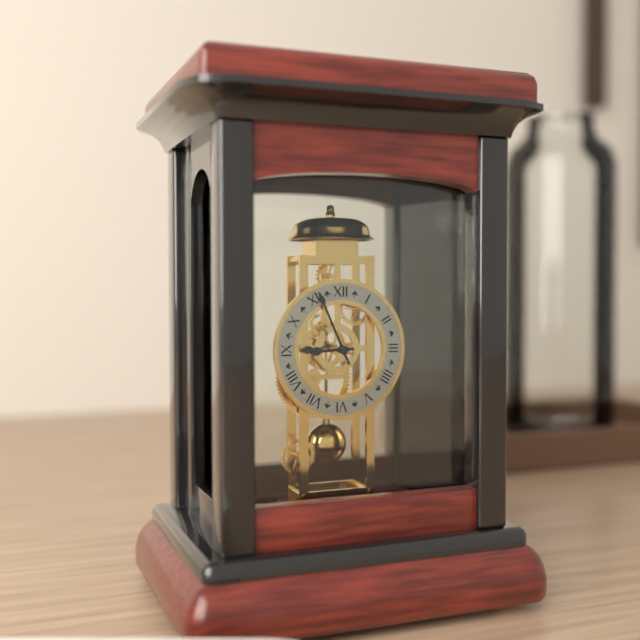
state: 8:56
